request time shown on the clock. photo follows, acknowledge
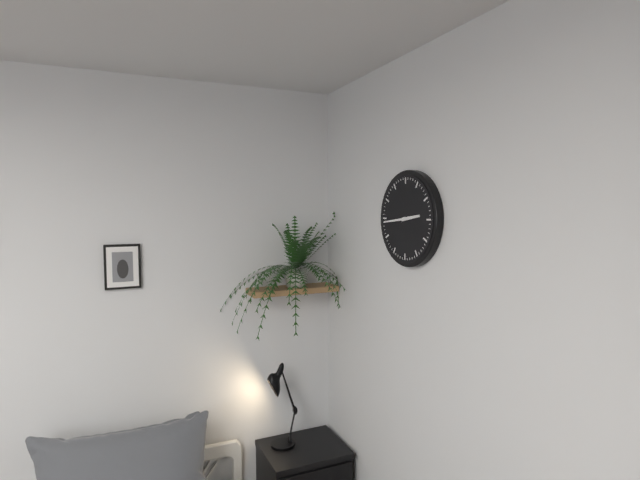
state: 2:44
